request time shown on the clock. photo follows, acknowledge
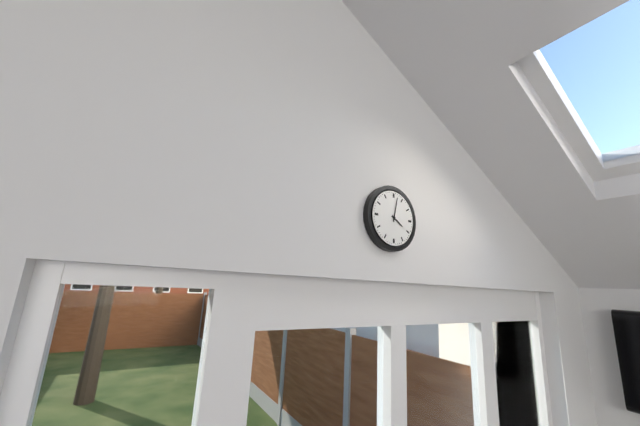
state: 4:02
